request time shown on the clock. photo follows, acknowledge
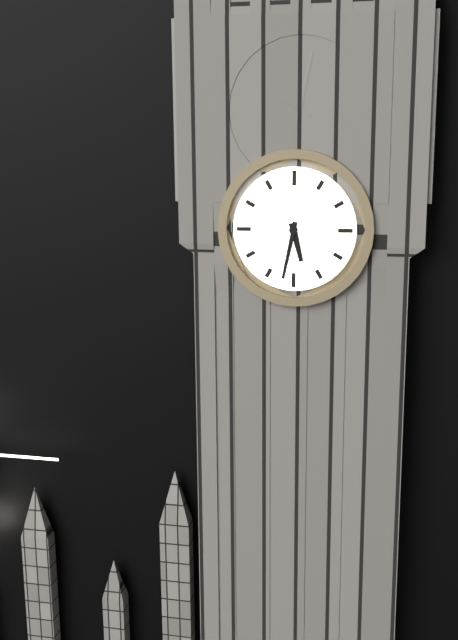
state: 5:32
